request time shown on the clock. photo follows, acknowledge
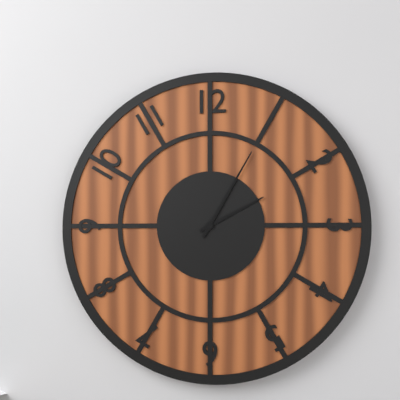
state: 2:05
